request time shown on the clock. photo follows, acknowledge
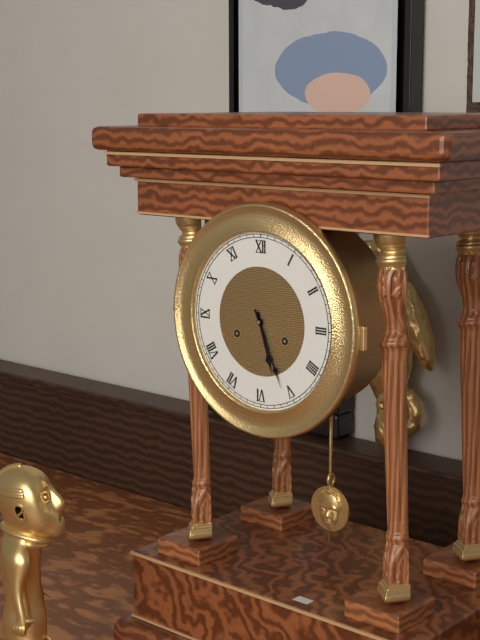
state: 5:26
